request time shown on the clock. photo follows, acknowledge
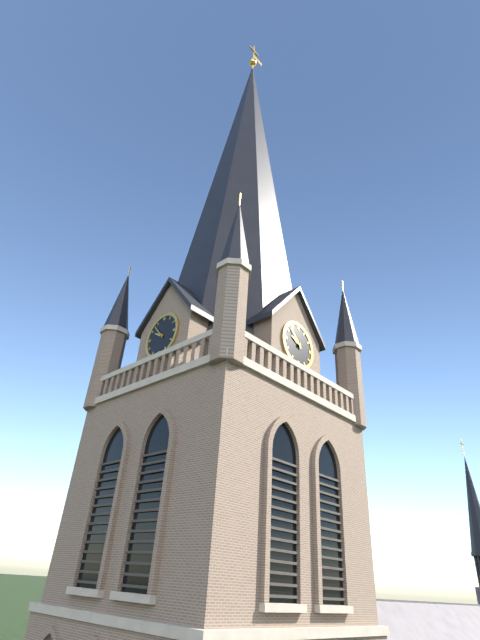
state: 9:53
